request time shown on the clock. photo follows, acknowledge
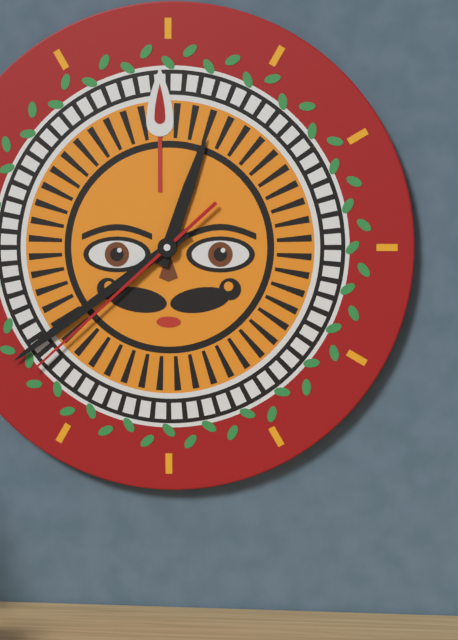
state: 12:39:38
